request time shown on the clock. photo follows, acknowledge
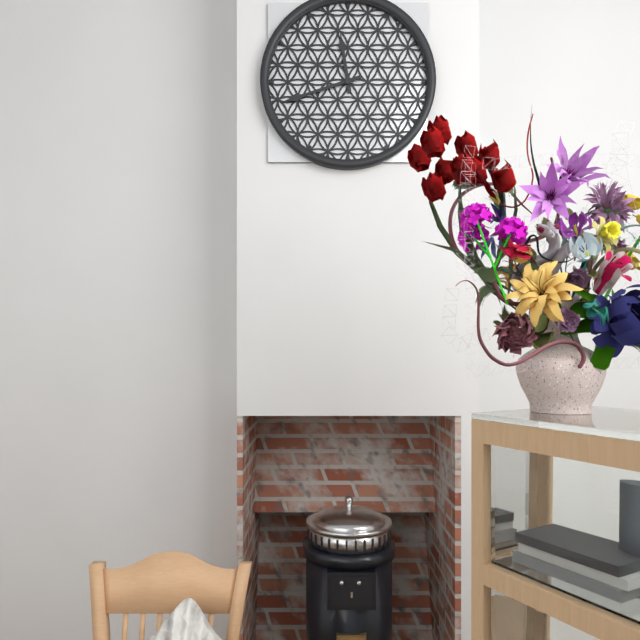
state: 11:42
